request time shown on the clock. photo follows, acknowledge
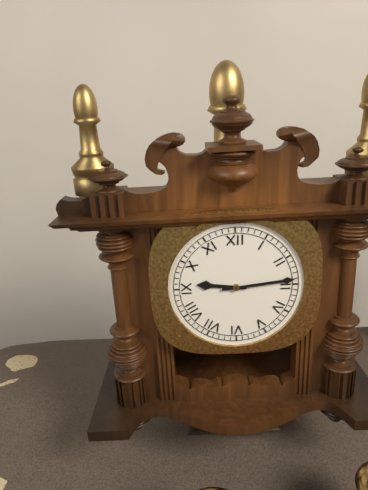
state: 9:14
